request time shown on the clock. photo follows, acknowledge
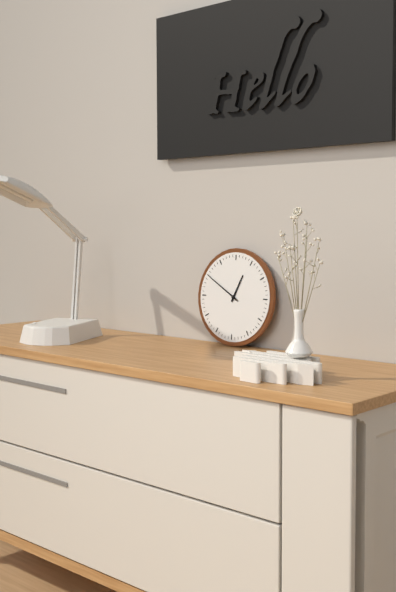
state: 12:50
